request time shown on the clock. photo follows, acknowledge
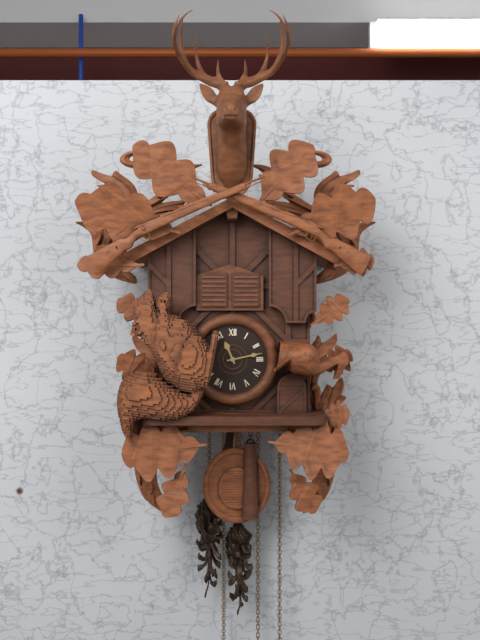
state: 11:13
